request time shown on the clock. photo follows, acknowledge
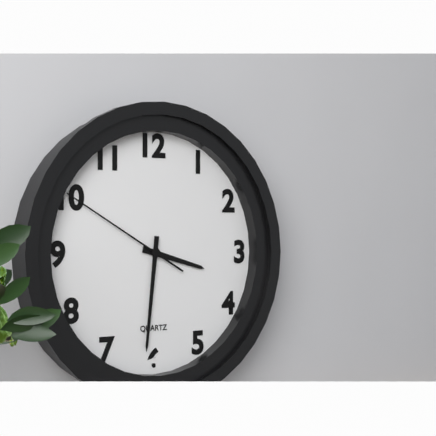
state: 3:31:50
